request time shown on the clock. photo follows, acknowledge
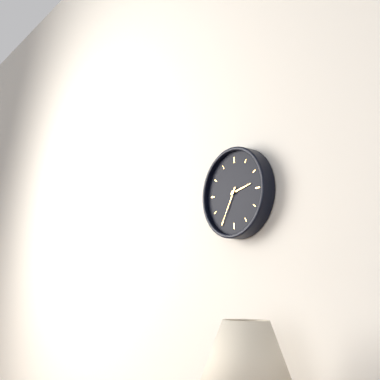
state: 2:35
